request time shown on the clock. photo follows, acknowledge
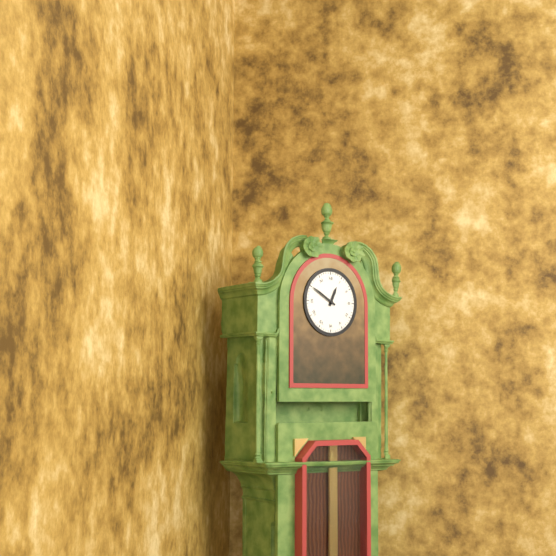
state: 12:50
